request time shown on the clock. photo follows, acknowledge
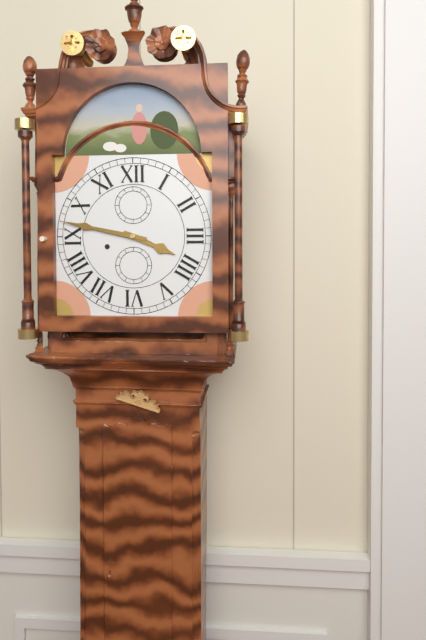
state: 3:47
